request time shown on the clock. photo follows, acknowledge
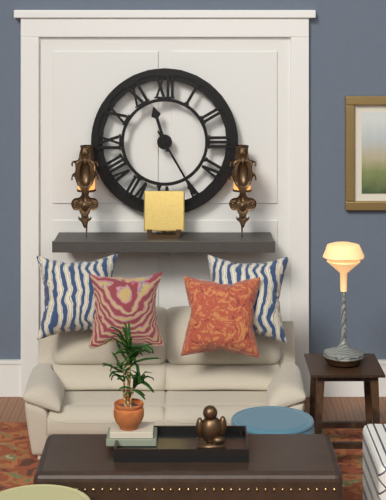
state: 11:25
